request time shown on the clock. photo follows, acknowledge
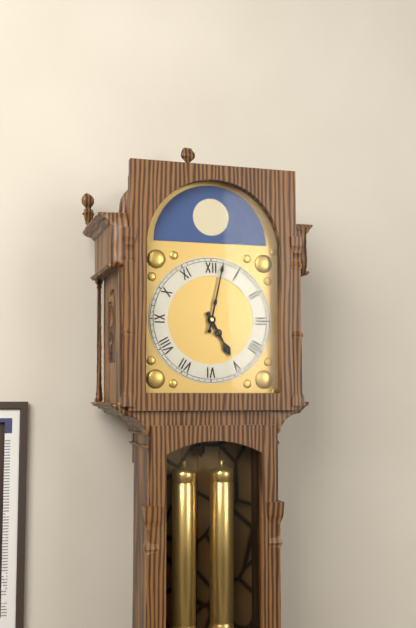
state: 5:02
